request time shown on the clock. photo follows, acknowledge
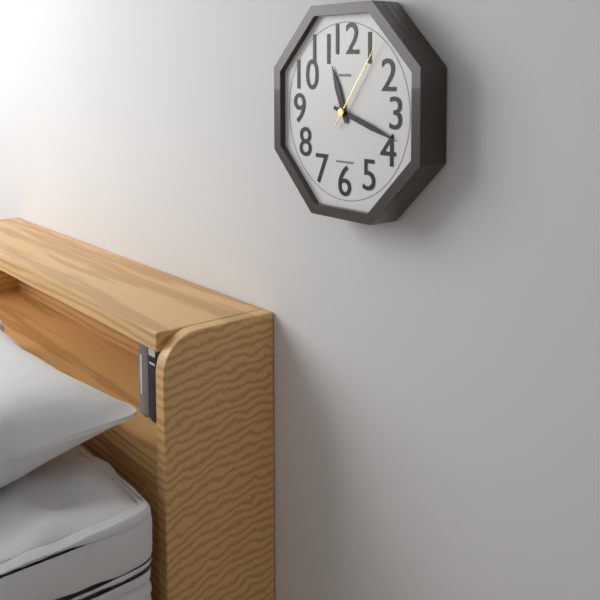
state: 11:18:06
